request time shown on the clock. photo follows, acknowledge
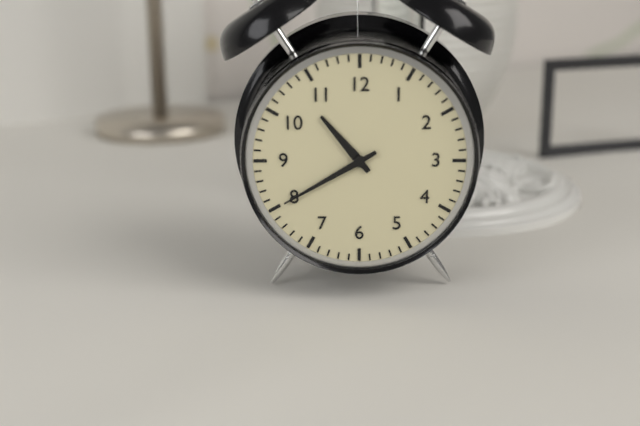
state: 10:40
